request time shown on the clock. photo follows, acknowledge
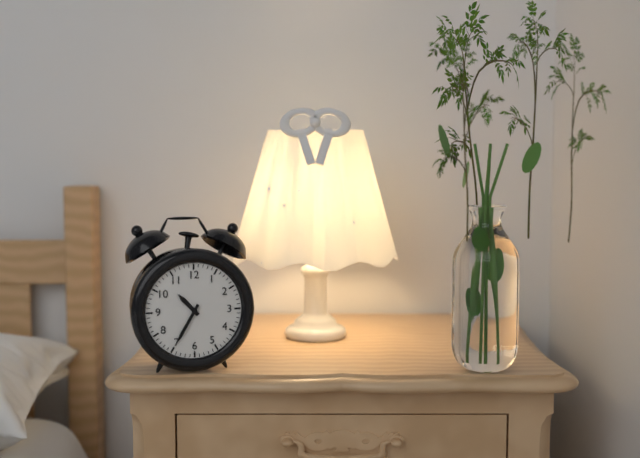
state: 10:35
